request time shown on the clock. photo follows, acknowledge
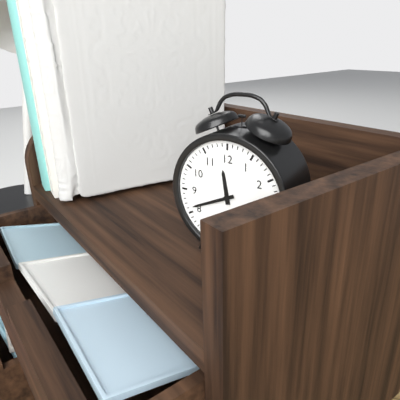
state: 11:41
